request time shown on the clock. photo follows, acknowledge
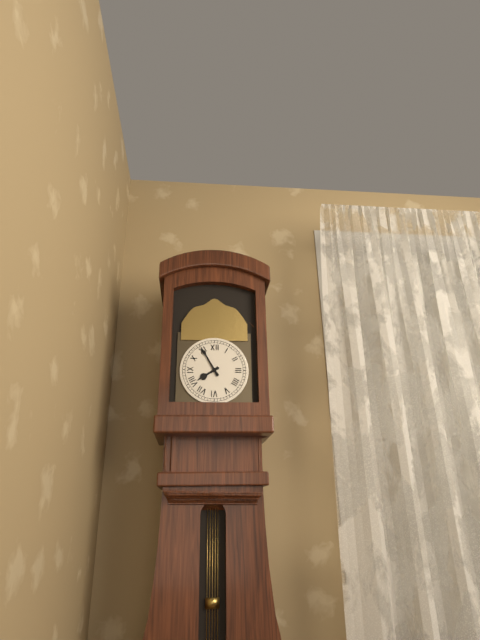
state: 7:55
